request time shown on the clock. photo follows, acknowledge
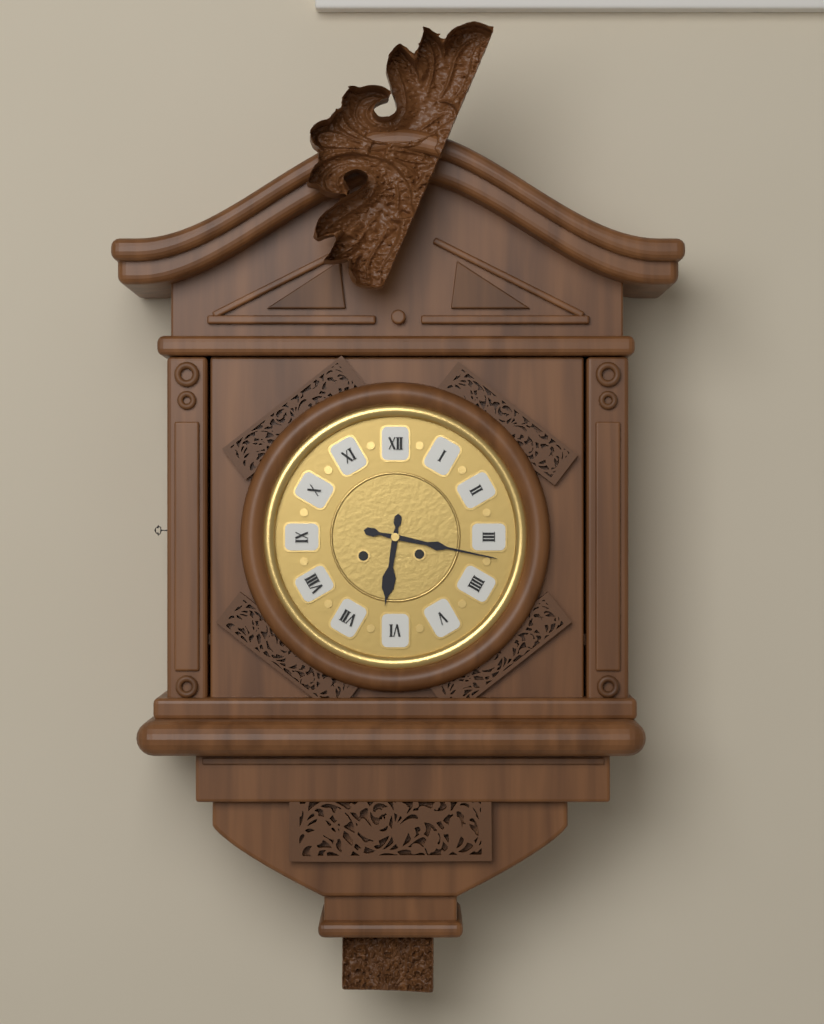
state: 6:17
